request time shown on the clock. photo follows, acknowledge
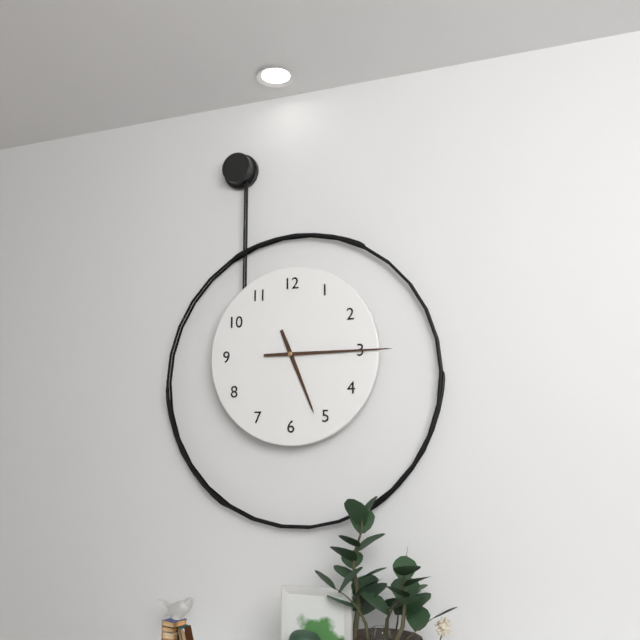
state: 5:15
